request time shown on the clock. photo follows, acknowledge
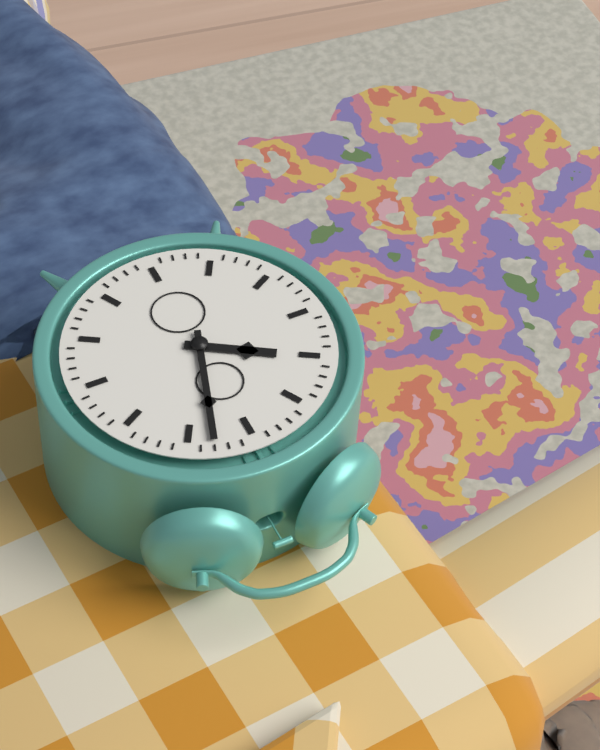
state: 10:03
